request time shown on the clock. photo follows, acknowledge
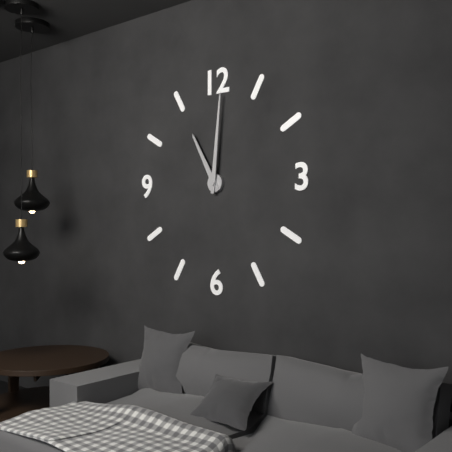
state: 11:01
